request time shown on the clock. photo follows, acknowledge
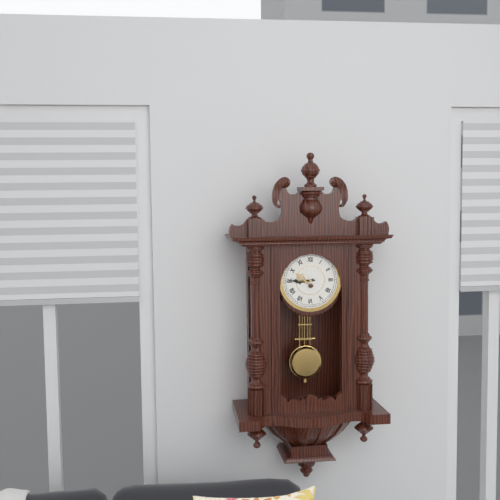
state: 8:45
